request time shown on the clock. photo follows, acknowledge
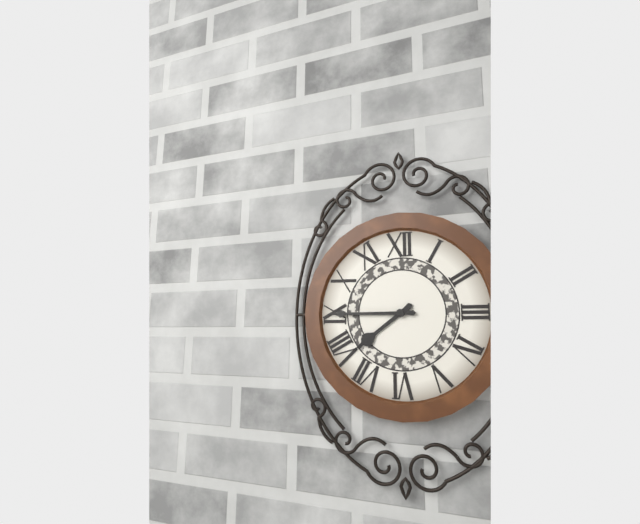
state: 7:45
